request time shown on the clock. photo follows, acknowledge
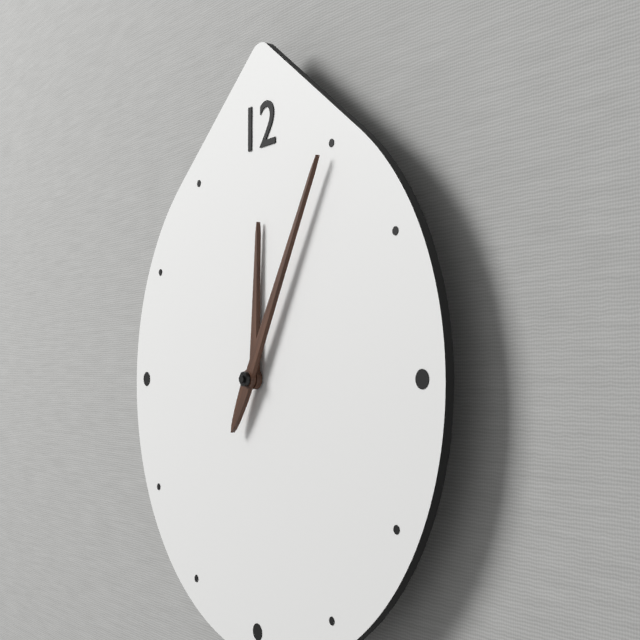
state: 12:05
